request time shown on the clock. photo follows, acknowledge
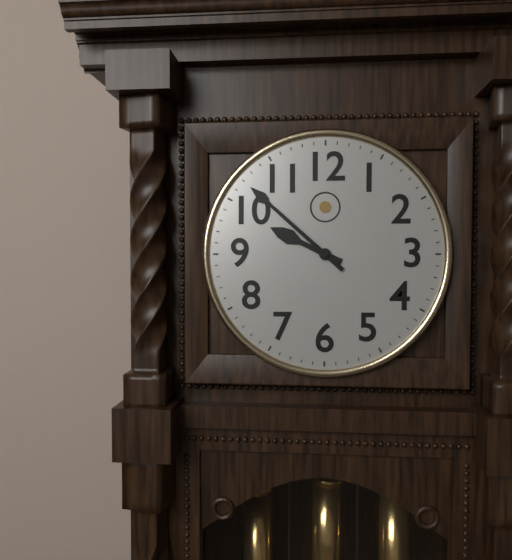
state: 9:52
